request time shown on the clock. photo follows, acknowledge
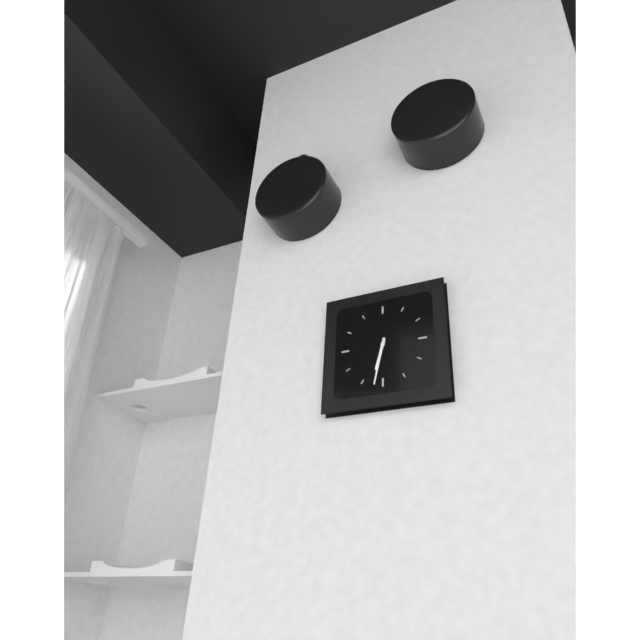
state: 6:32
